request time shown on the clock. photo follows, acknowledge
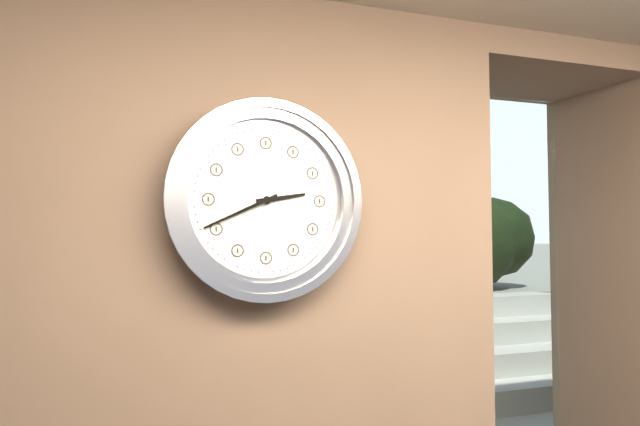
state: 2:41
